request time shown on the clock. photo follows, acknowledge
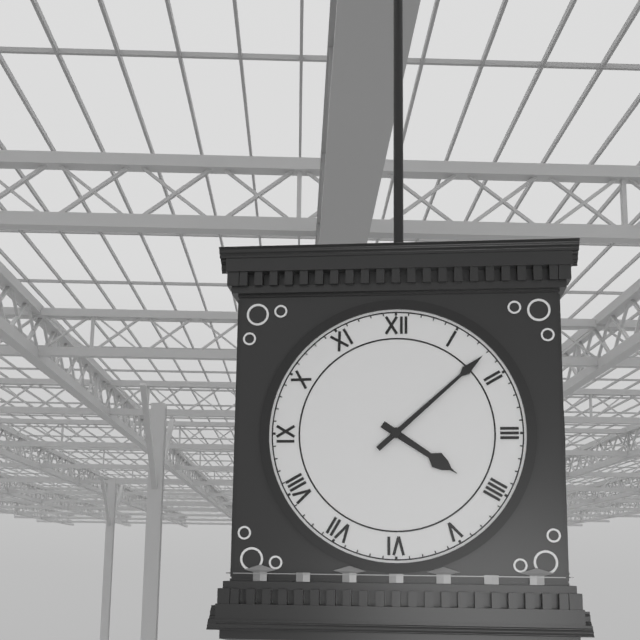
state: 4:08
